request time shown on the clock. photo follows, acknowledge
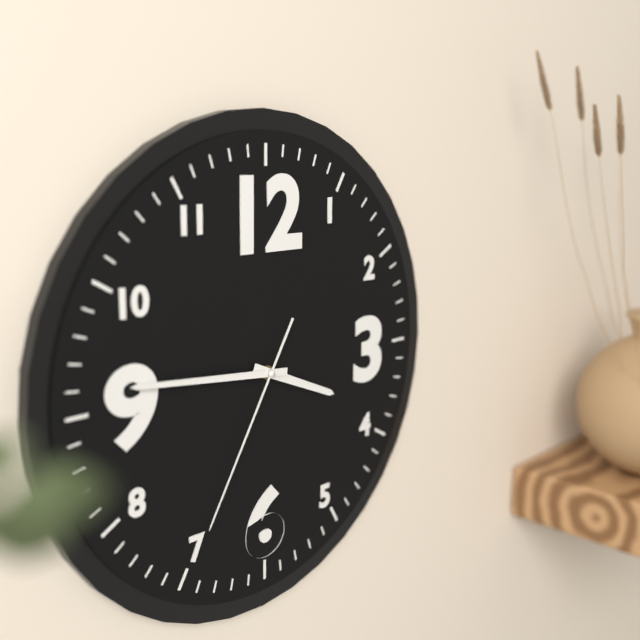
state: 3:46:35
